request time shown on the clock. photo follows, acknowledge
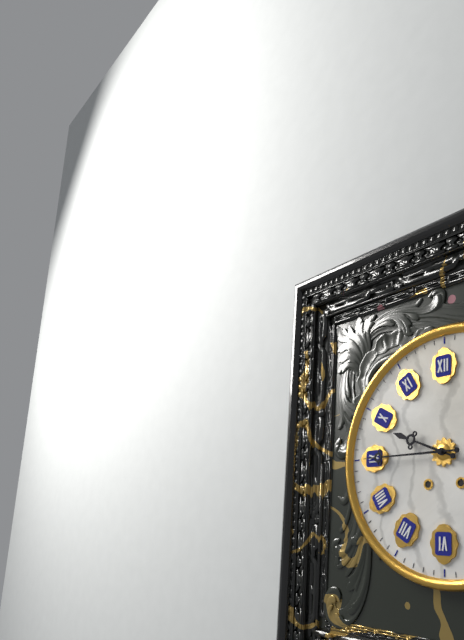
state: 9:45
